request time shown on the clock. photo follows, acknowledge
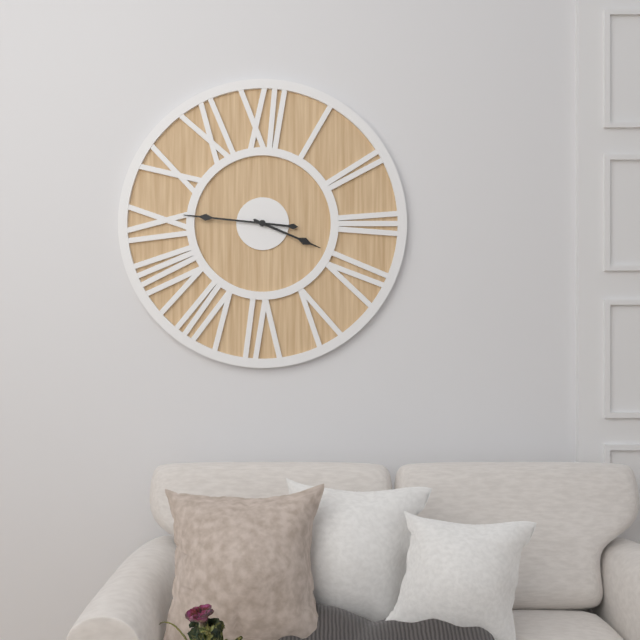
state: 3:46
